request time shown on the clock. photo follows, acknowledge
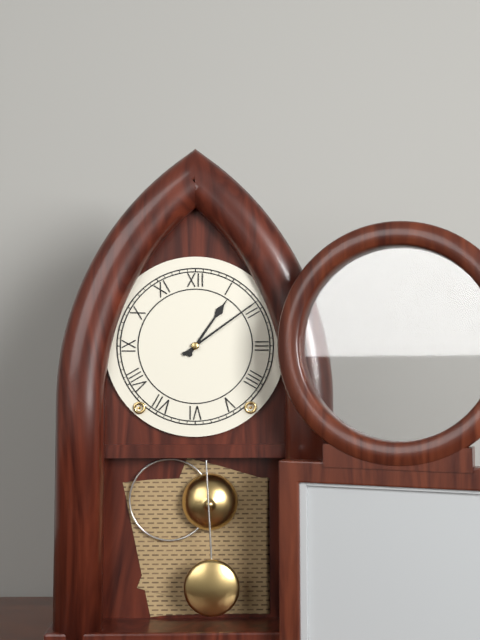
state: 1:09
